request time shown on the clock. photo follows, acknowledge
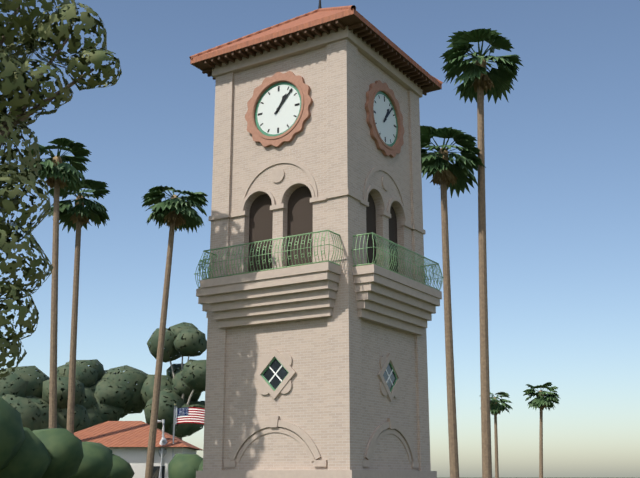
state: 1:07
